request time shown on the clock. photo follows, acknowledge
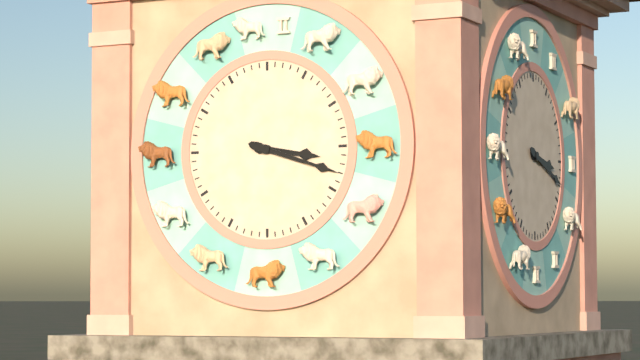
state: 3:18
